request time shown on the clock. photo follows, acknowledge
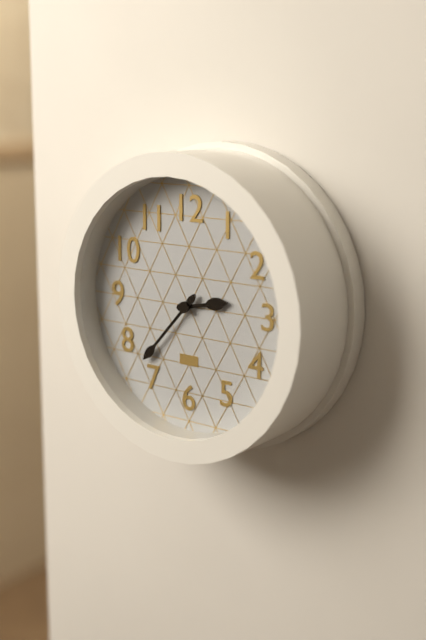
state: 2:37
